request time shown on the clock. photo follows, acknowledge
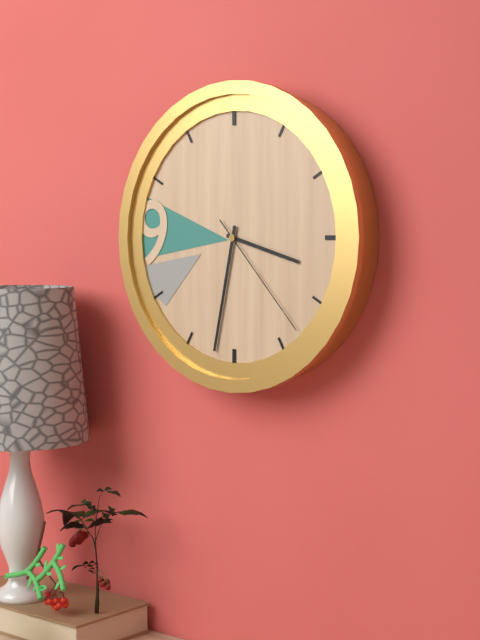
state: 3:32:23
